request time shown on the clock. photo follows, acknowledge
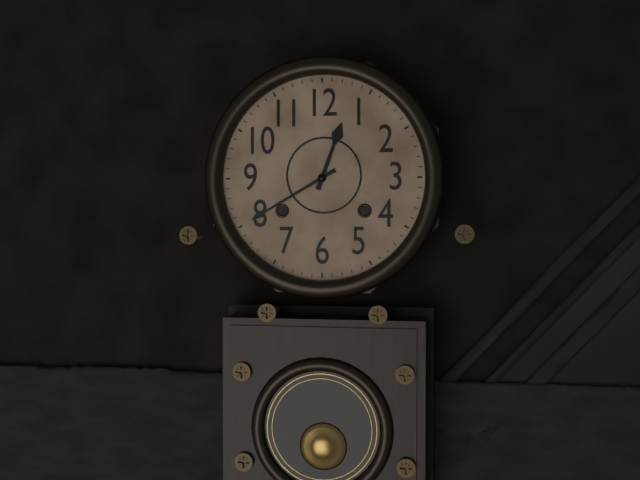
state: 12:40
